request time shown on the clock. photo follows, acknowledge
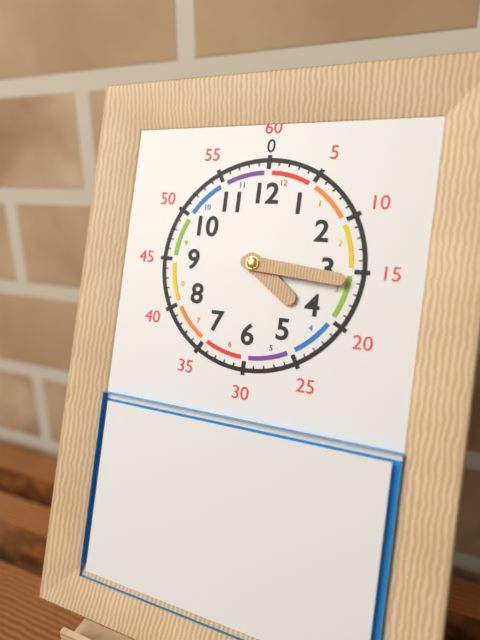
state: 4:16
